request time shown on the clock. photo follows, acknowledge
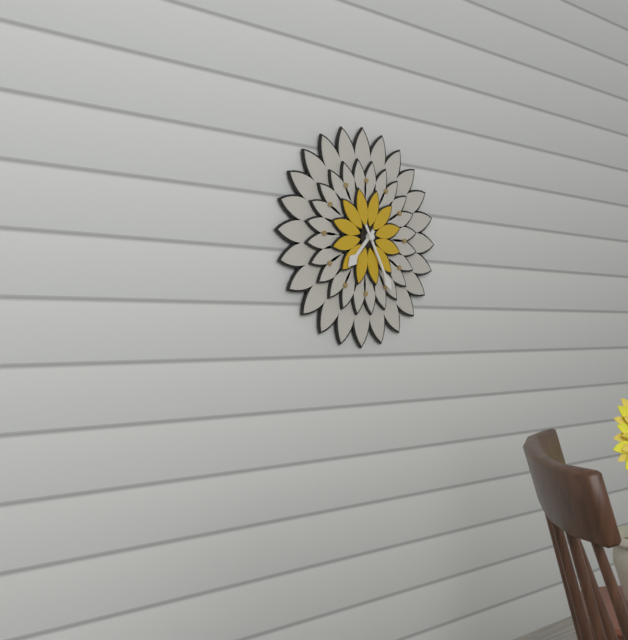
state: 7:25
